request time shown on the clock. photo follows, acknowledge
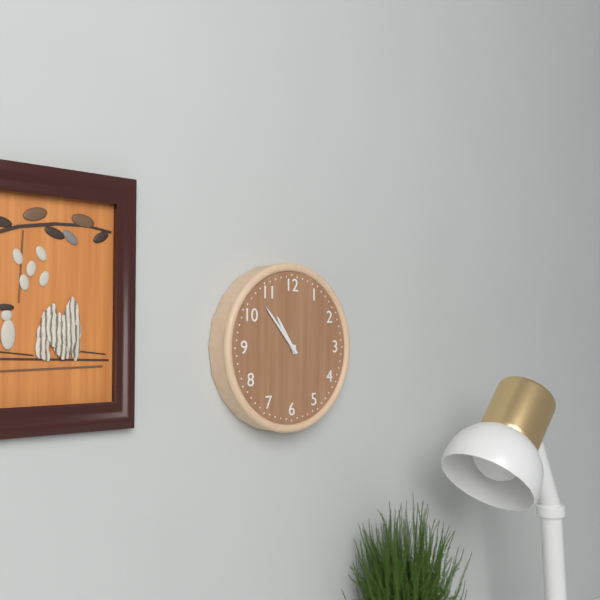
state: 10:53
